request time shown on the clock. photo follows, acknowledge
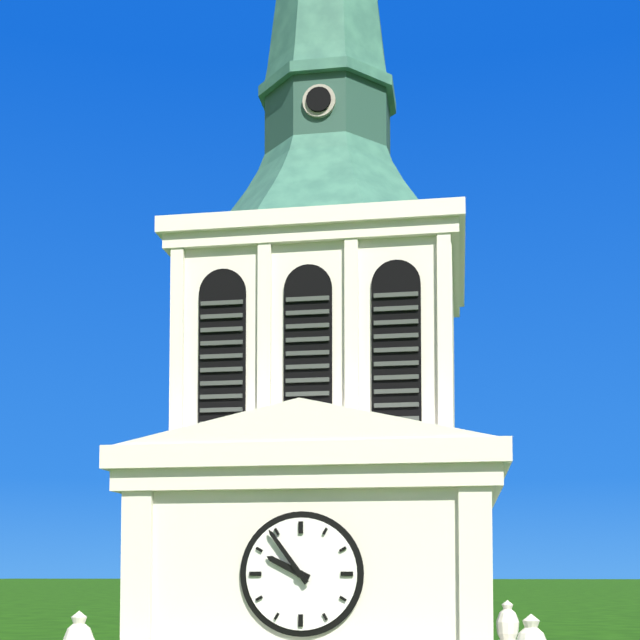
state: 9:54
